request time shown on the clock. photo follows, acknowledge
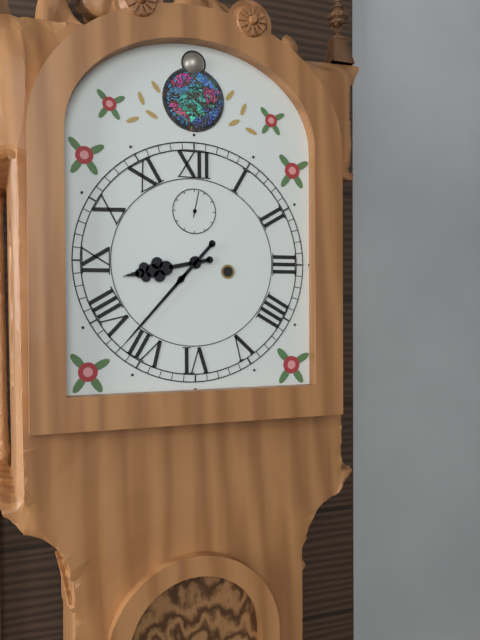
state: 8:37
